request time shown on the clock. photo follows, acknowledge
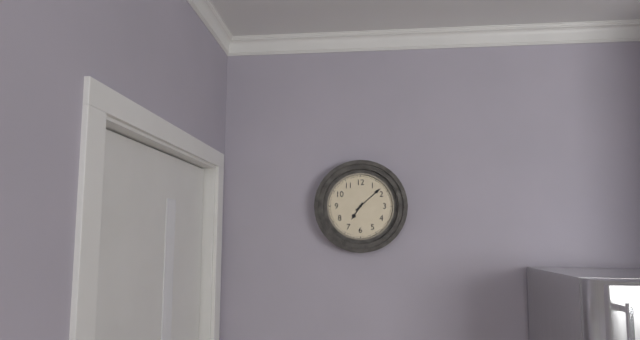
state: 7:08
